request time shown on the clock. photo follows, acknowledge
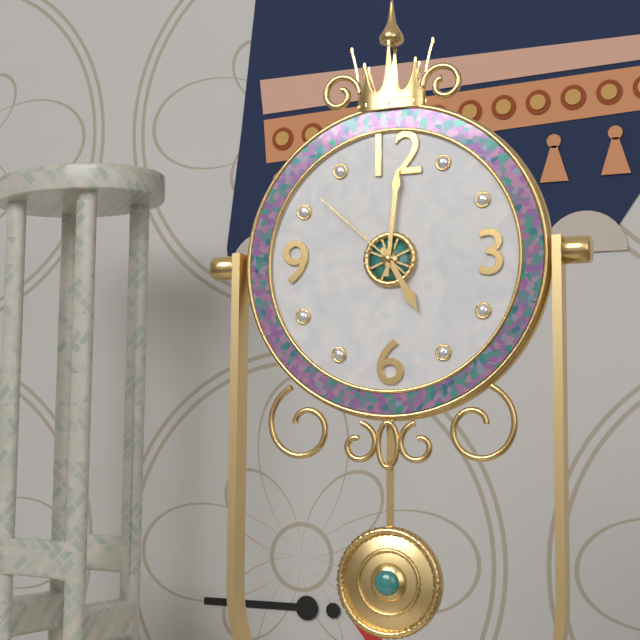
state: 5:01:52
